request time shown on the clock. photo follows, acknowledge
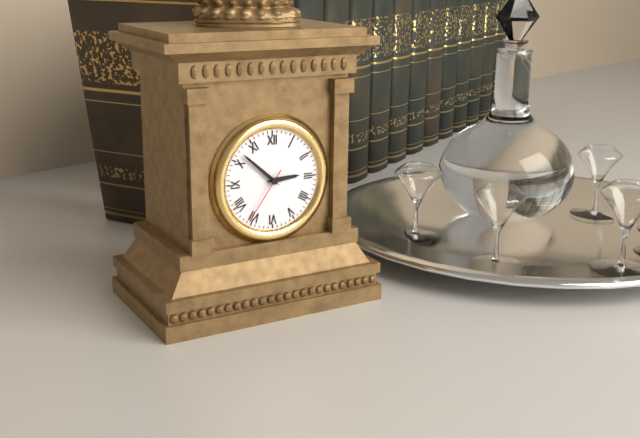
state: 2:52:36
